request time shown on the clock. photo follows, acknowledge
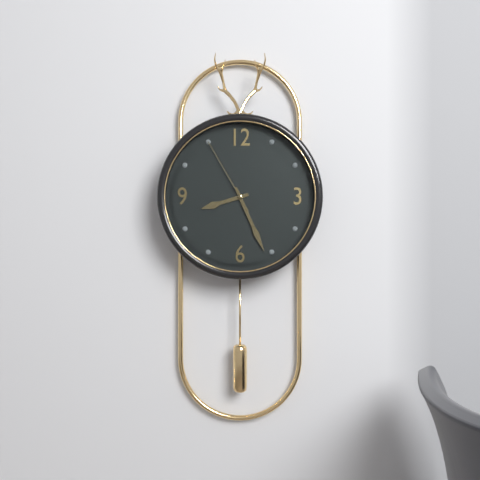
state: 8:26:55
